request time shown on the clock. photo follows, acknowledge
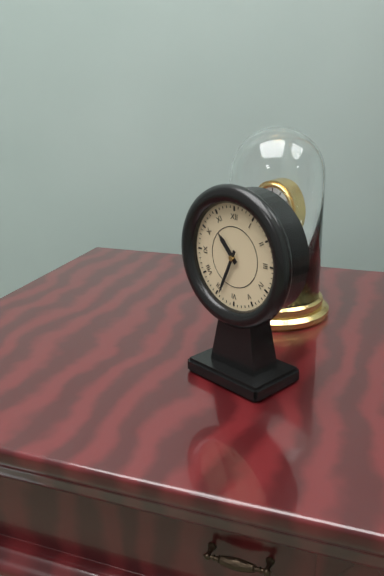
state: 10:34
